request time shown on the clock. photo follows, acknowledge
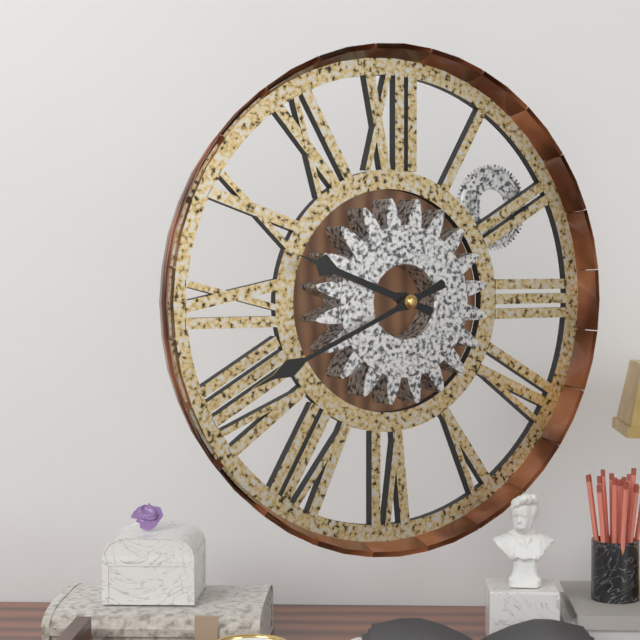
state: 9:41
